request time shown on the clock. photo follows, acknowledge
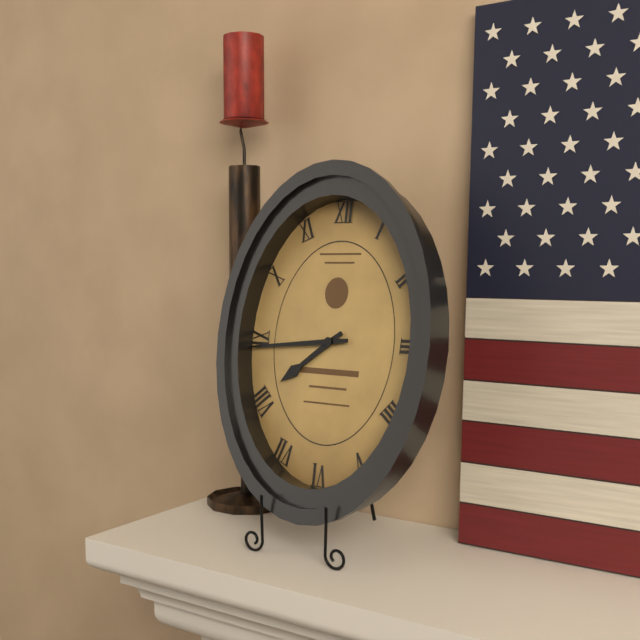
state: 7:44
